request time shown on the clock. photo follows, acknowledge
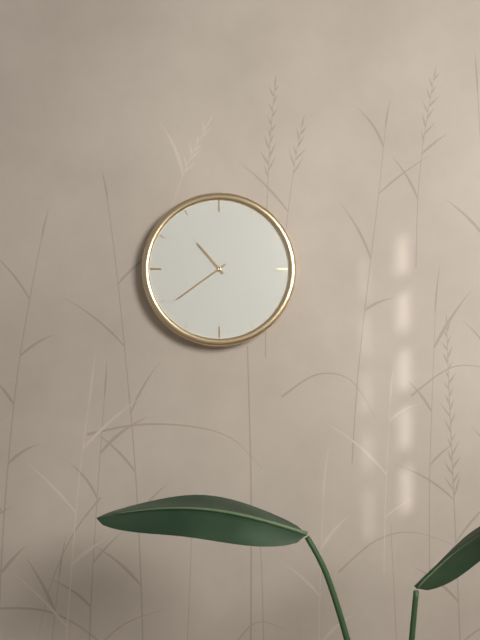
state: 10:39
